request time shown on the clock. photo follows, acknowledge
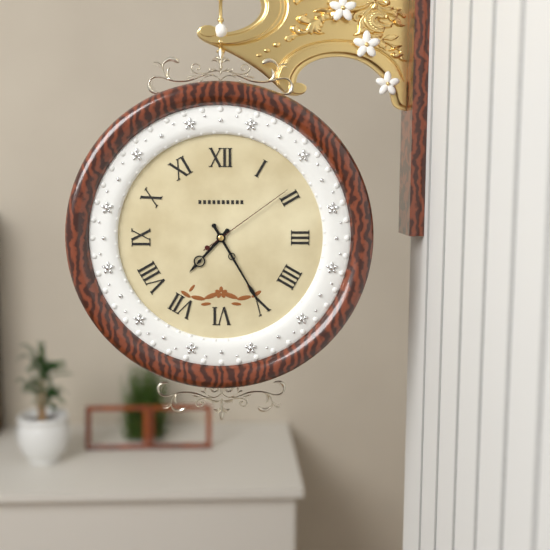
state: 7:25:09
